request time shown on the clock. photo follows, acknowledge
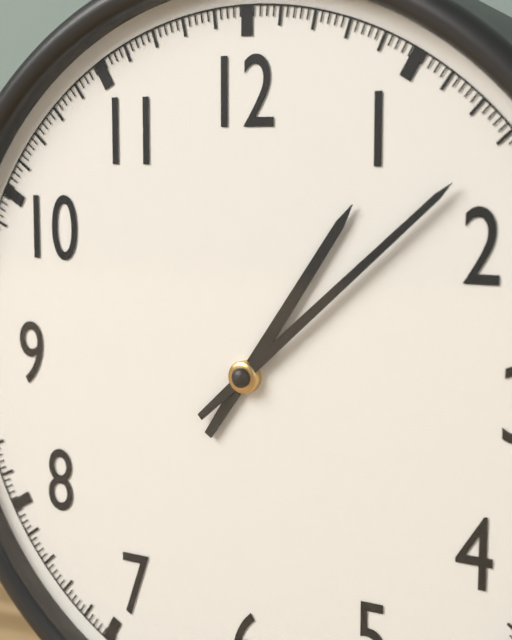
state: 1:08
